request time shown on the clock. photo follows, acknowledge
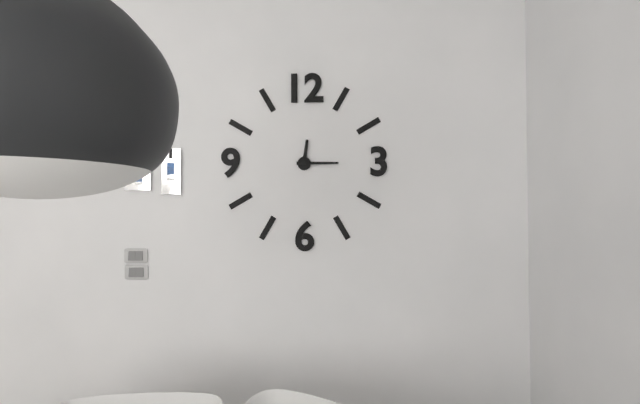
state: 12:15
